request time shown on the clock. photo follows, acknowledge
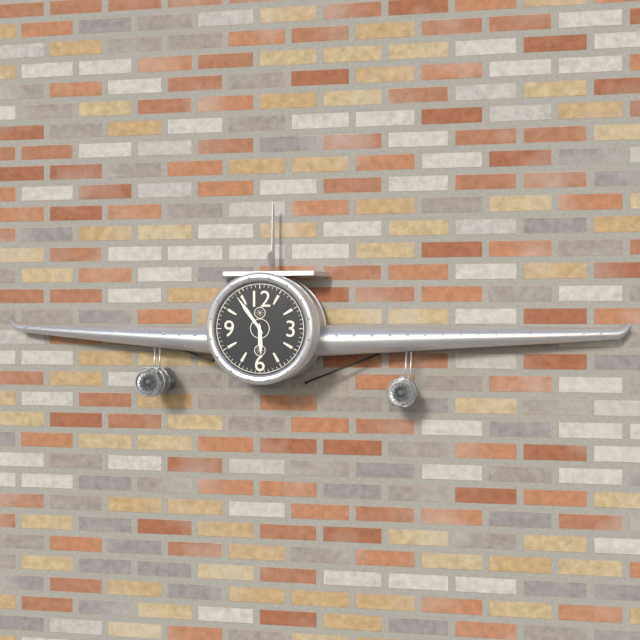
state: 5:54
